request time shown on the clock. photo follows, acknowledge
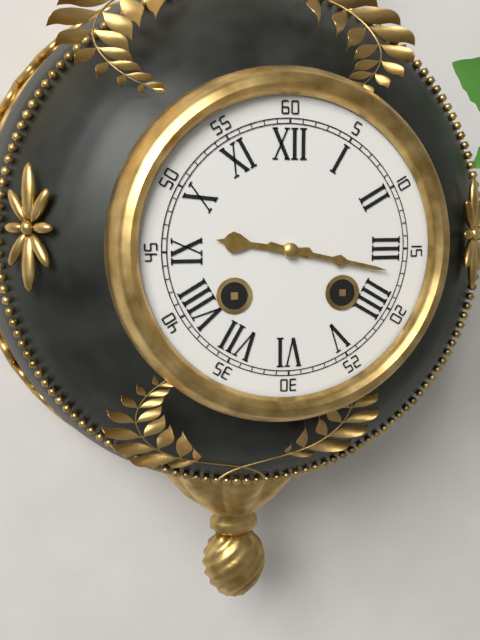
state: 9:17
